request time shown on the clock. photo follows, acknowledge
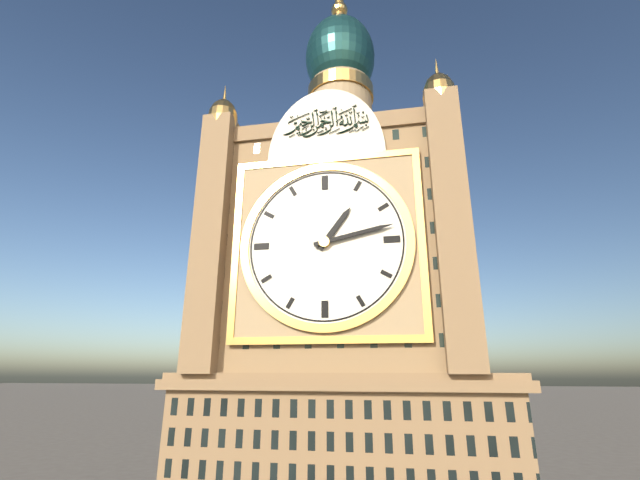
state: 1:13
